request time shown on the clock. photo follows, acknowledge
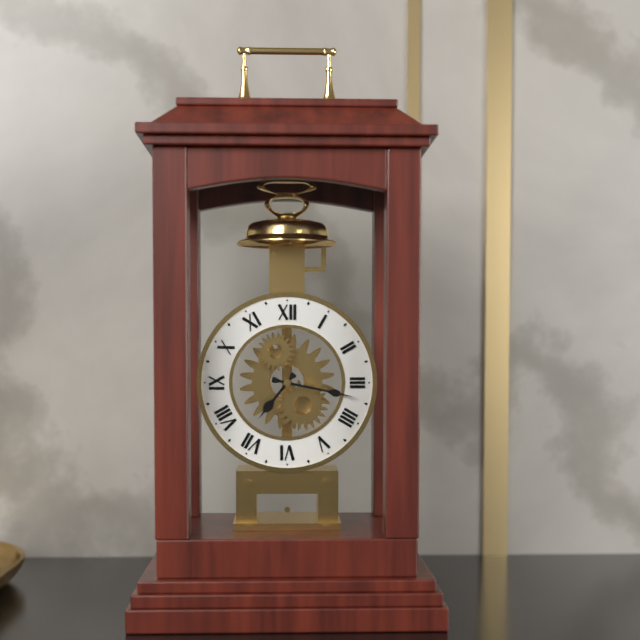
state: 7:17
